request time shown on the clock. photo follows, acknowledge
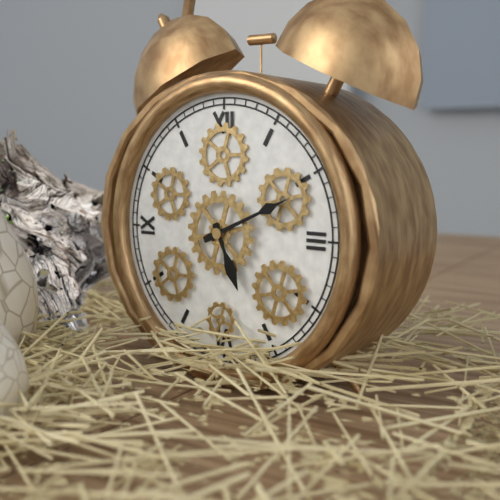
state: 5:11
